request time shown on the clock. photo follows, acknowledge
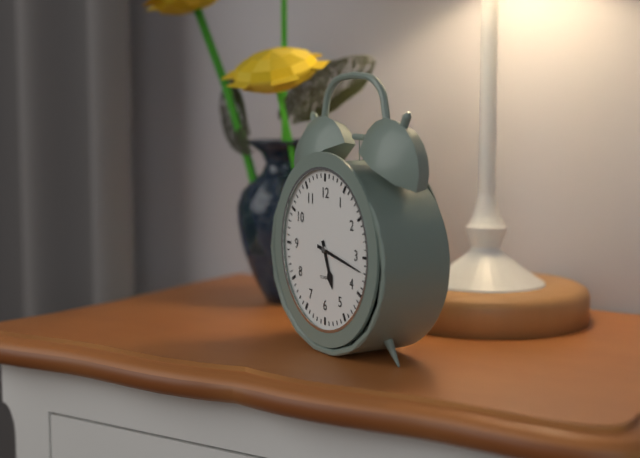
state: 5:17
